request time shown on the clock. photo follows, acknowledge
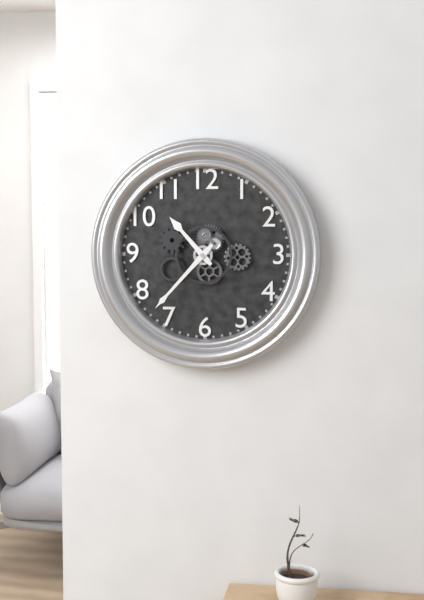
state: 10:37
